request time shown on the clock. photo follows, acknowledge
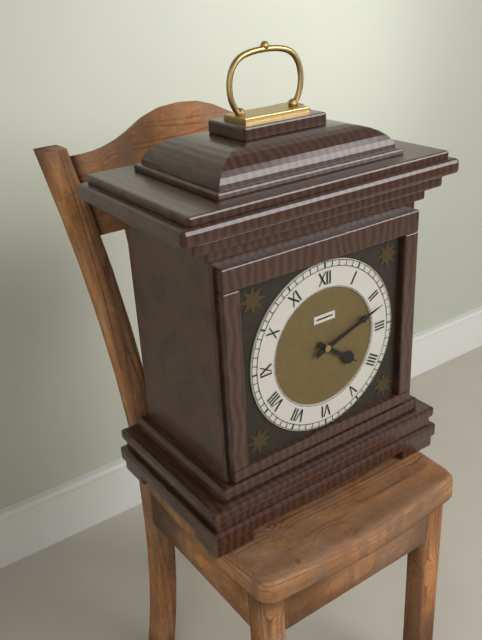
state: 4:12
